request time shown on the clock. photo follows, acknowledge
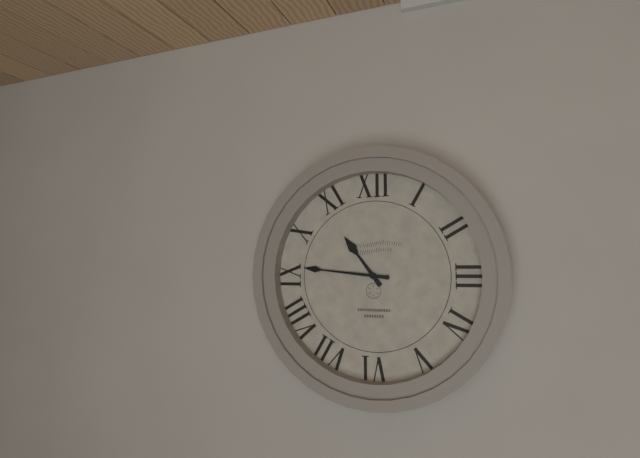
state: 10:46
